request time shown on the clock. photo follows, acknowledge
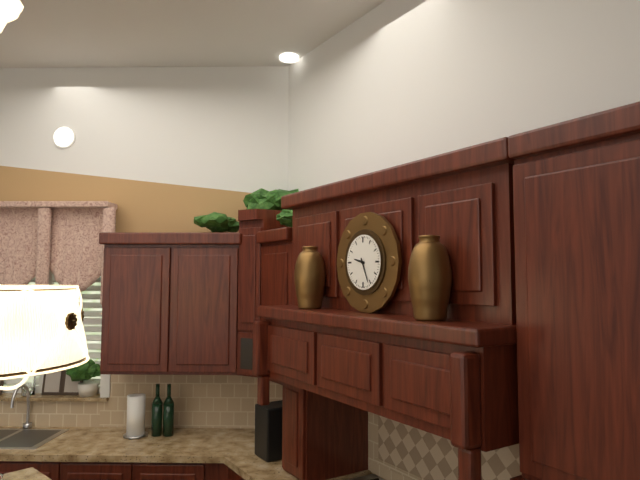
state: 9:26
